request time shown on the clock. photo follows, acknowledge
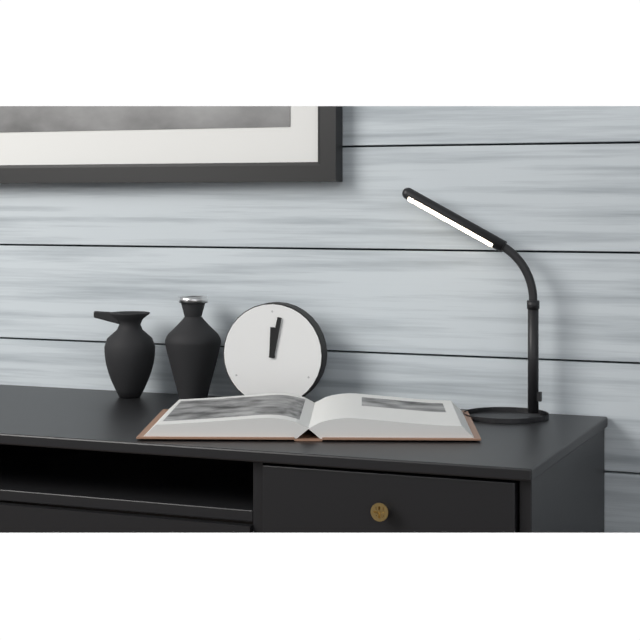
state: 12:02
